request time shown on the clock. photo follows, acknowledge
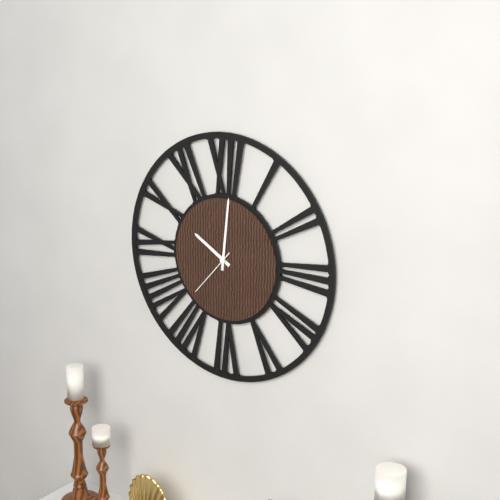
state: 10:01:37
